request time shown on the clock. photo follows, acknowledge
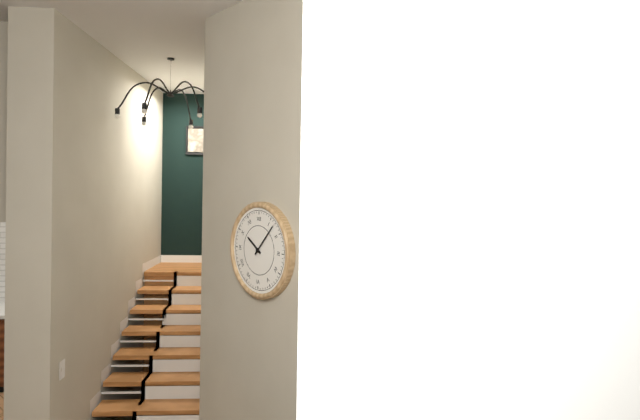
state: 10:07
